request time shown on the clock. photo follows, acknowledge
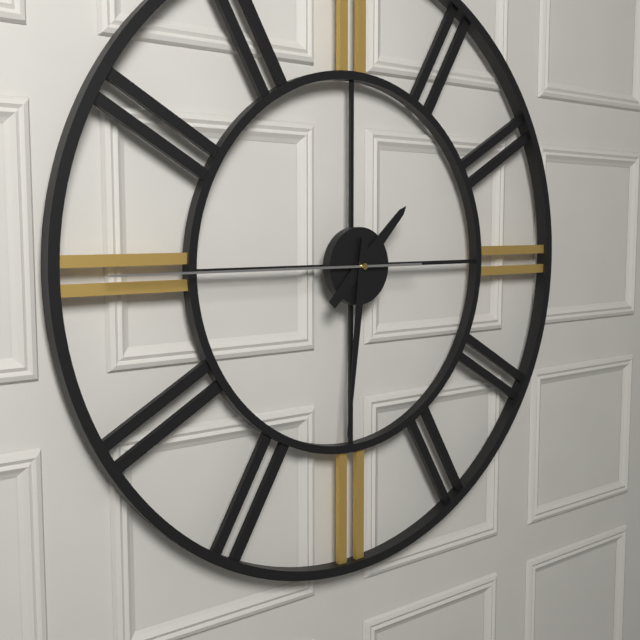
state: 1:31:45
